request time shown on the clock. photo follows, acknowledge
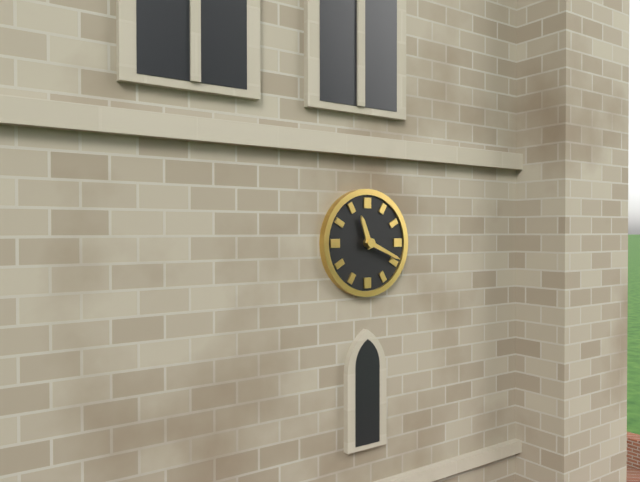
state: 11:19
